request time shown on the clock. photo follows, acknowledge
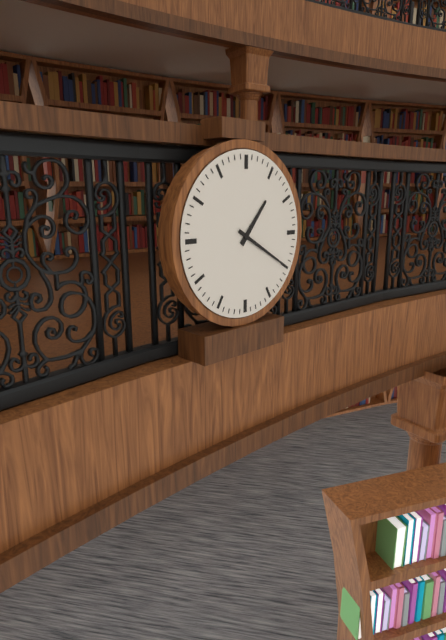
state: 1:20
